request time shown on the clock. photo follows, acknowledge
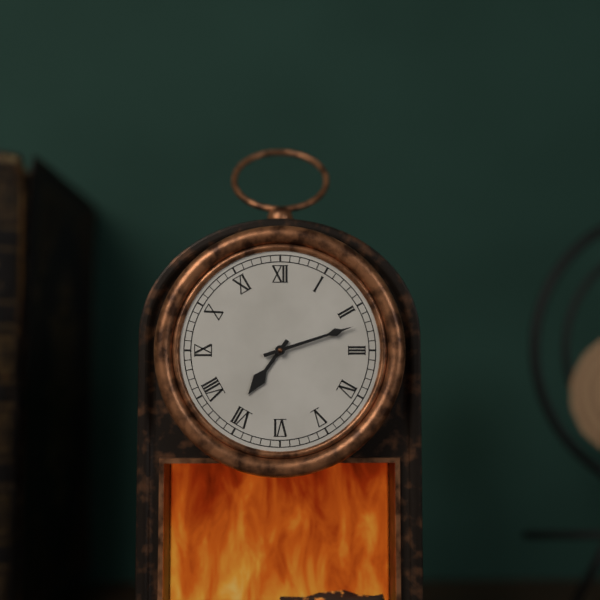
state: 7:12
